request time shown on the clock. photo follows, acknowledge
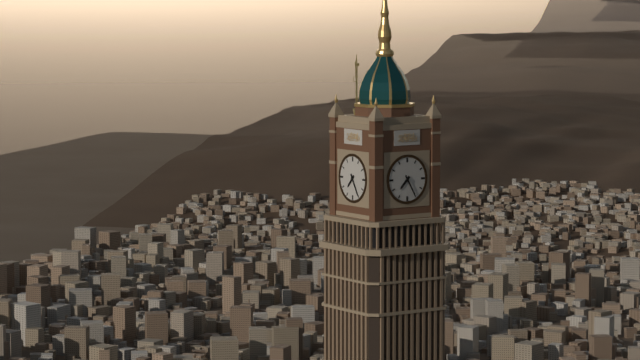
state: 7:25
